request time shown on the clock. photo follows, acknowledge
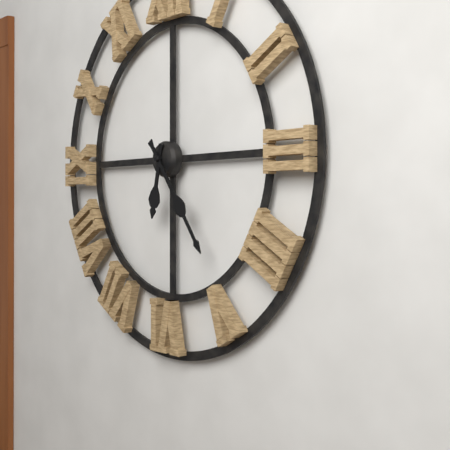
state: 6:24
